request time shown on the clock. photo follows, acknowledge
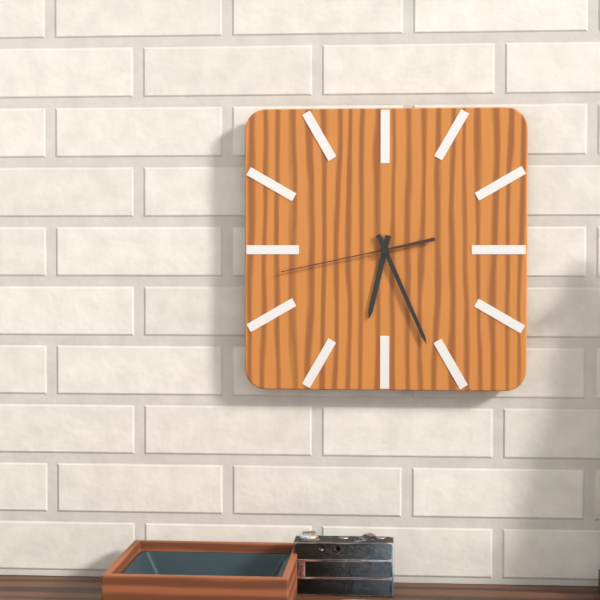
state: 6:26:43
